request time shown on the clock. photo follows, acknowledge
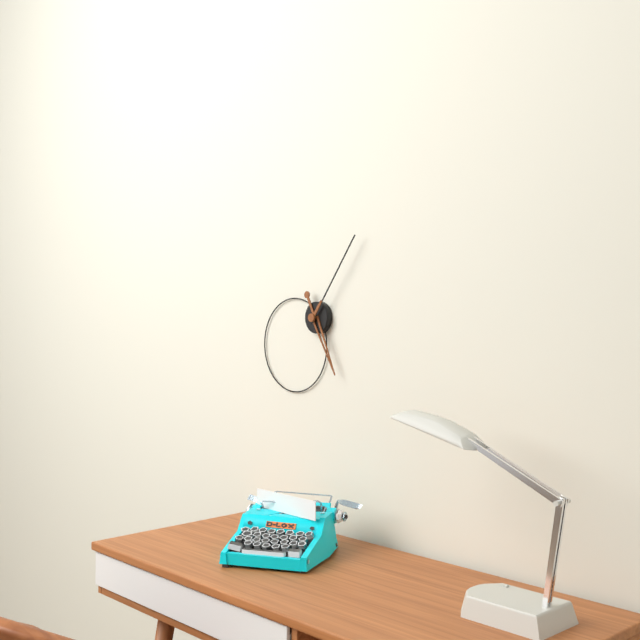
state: 5:06
